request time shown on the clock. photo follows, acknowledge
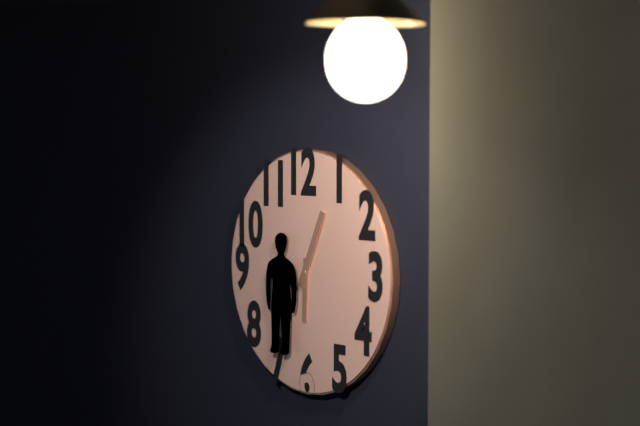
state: 6:04
